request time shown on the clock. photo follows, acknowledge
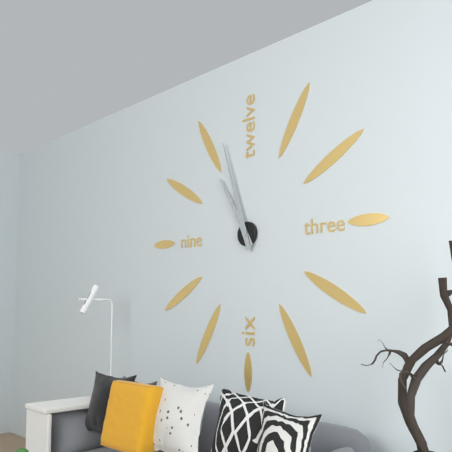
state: 10:57
